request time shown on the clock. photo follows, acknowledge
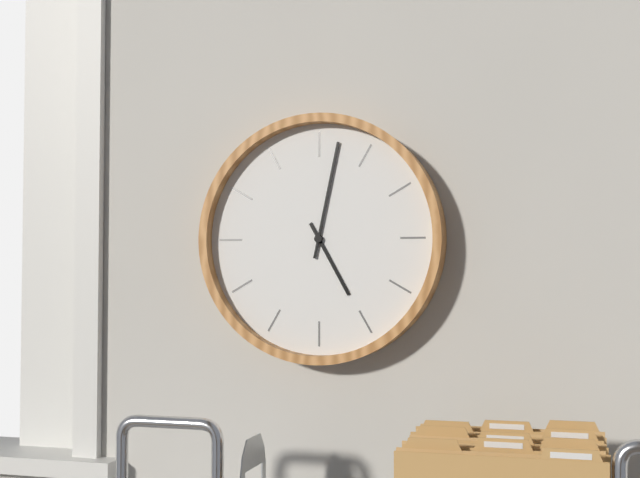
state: 5:02
